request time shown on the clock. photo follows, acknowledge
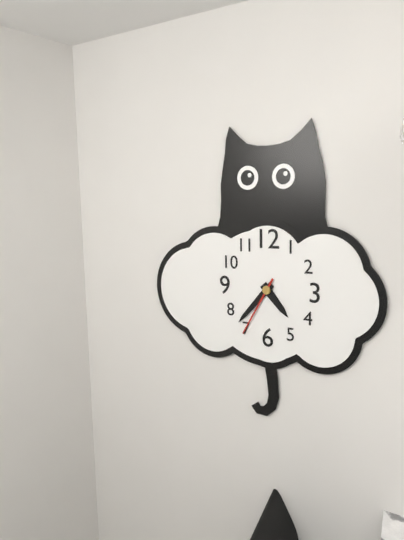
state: 4:37:35
